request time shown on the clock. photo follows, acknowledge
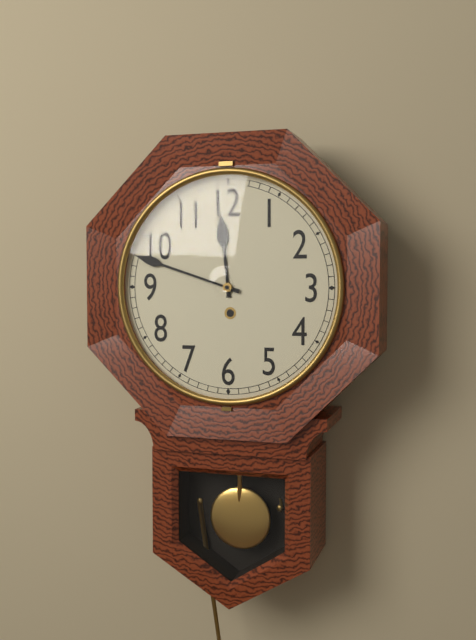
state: 11:48
